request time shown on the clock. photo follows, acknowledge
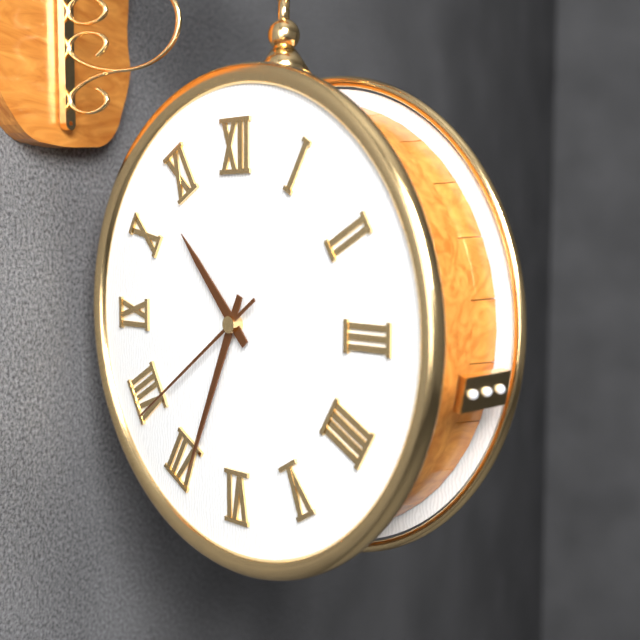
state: 10:34:39
